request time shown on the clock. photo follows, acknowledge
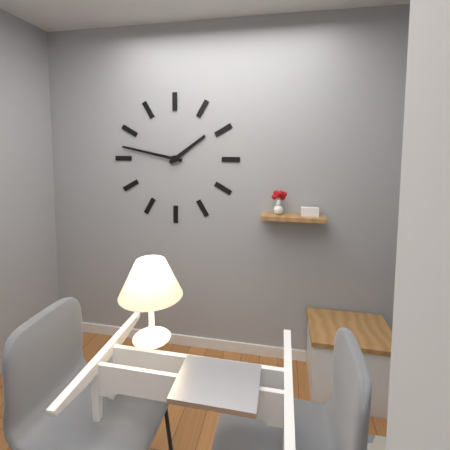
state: 1:47
